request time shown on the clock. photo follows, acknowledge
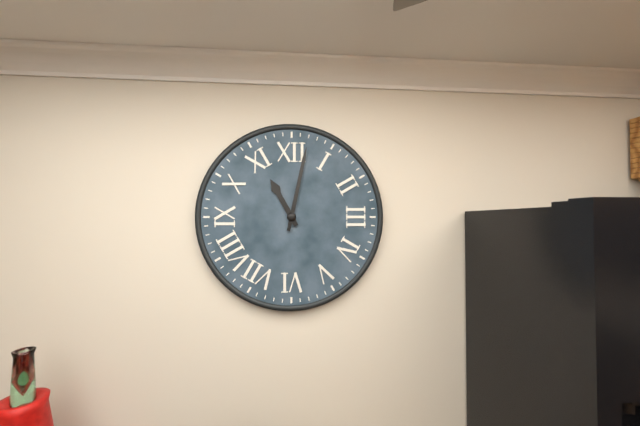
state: 11:02
